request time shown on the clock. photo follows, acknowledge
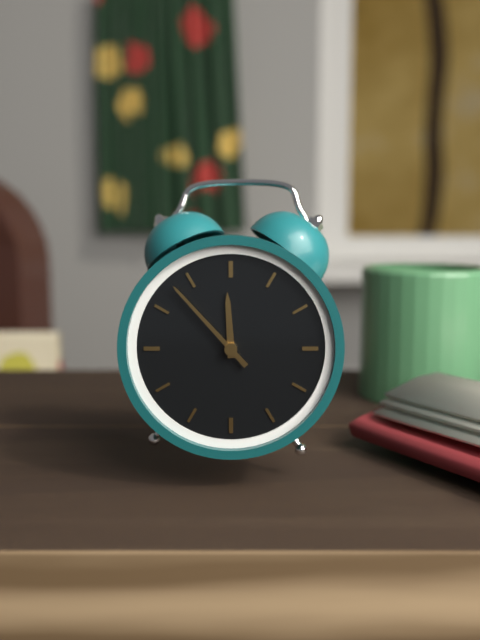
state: 11:53
